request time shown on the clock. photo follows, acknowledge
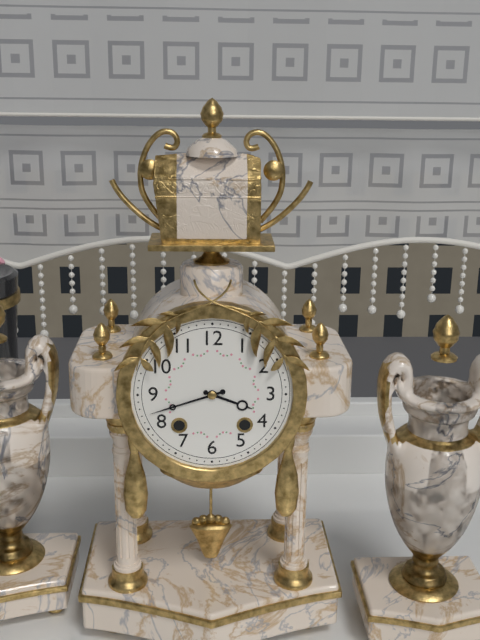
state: 3:42
